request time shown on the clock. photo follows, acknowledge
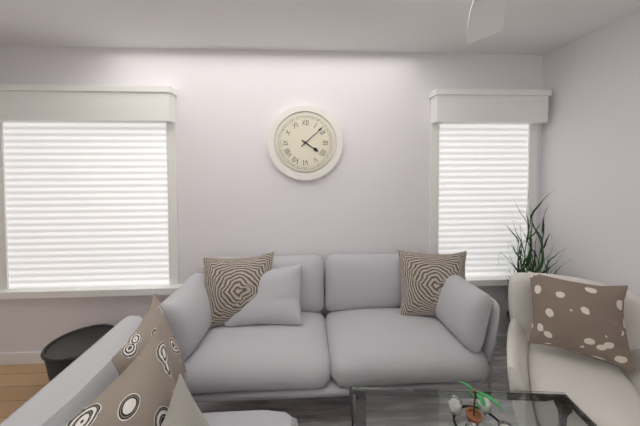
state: 4:08
